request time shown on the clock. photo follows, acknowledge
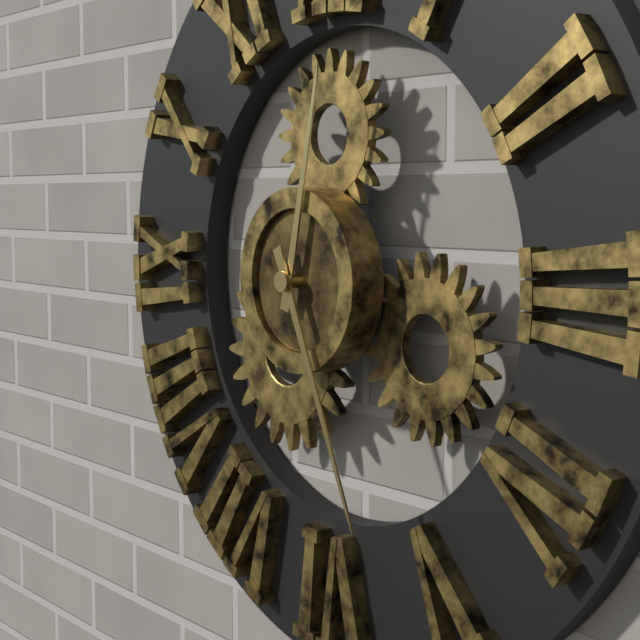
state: 12:26
